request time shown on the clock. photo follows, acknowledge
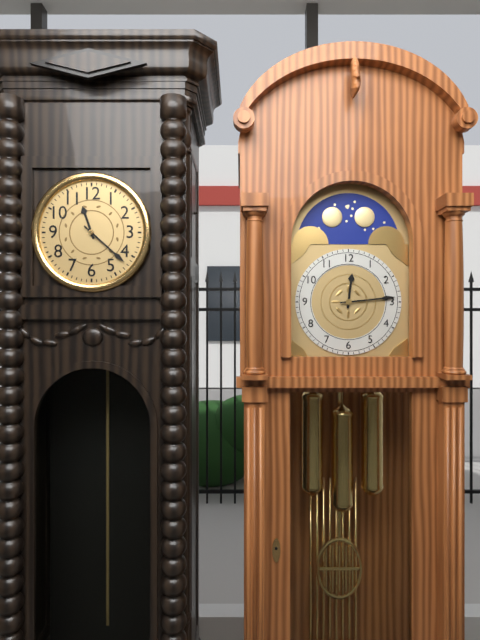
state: 11:22
